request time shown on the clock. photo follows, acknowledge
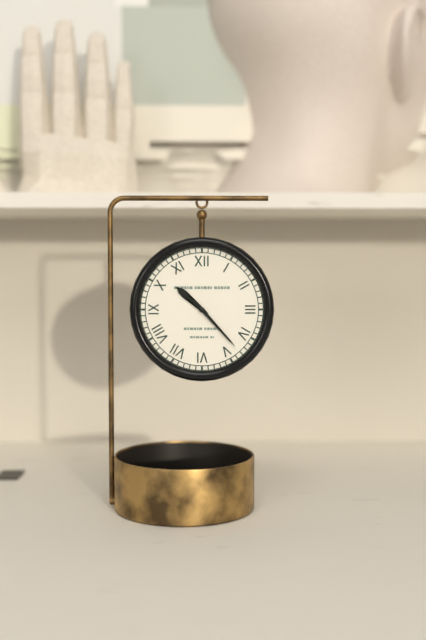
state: 10:23
